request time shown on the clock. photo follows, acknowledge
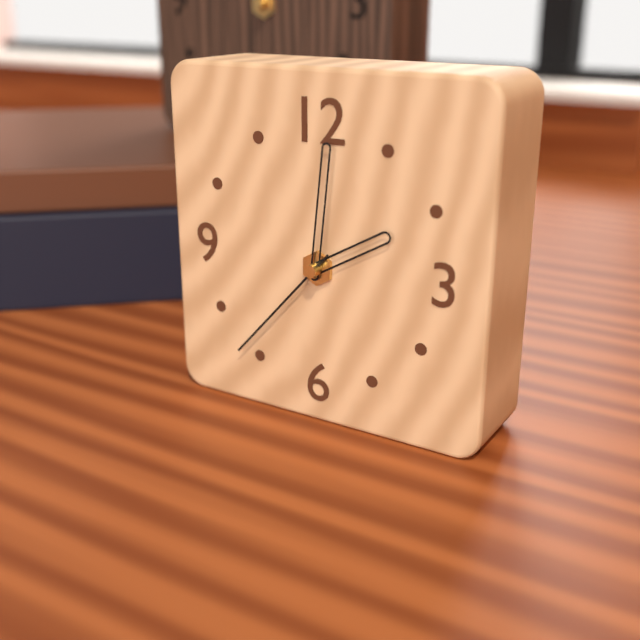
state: 2:01:37
